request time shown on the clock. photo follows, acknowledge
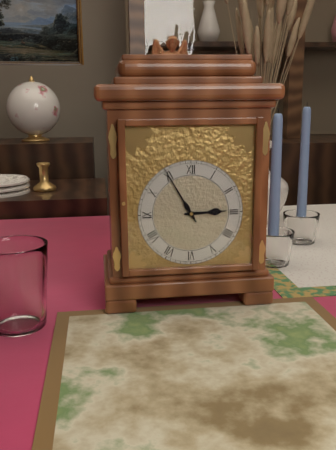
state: 2:55
